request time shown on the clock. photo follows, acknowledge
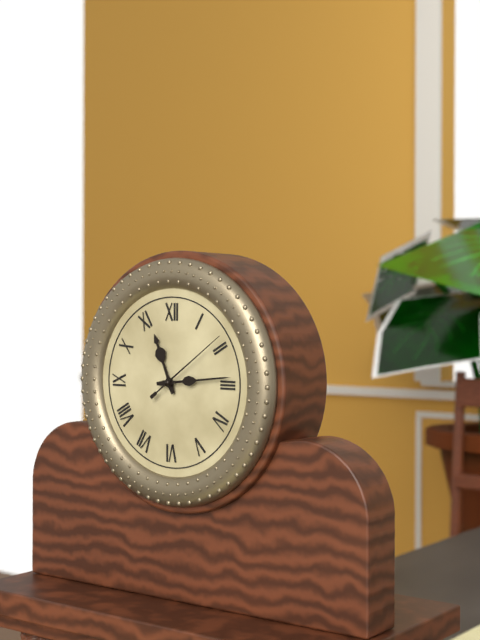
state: 11:14:09
